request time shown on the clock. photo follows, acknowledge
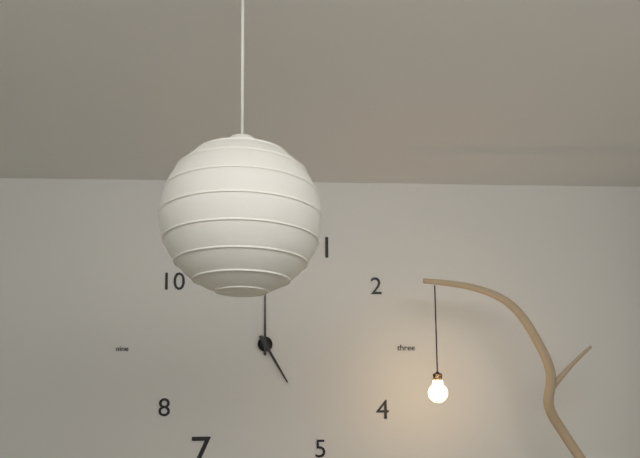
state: 5:00
